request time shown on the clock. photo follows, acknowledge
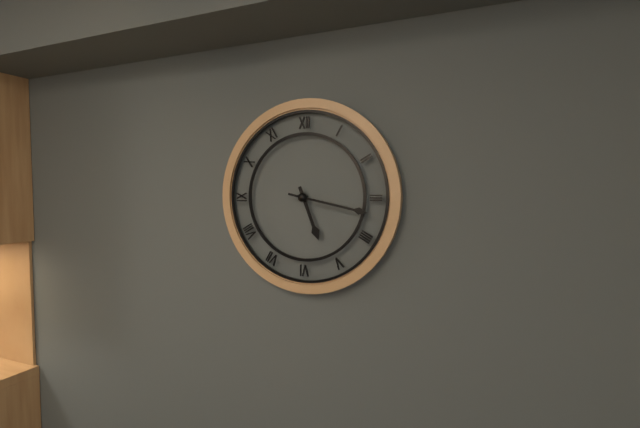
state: 5:17
